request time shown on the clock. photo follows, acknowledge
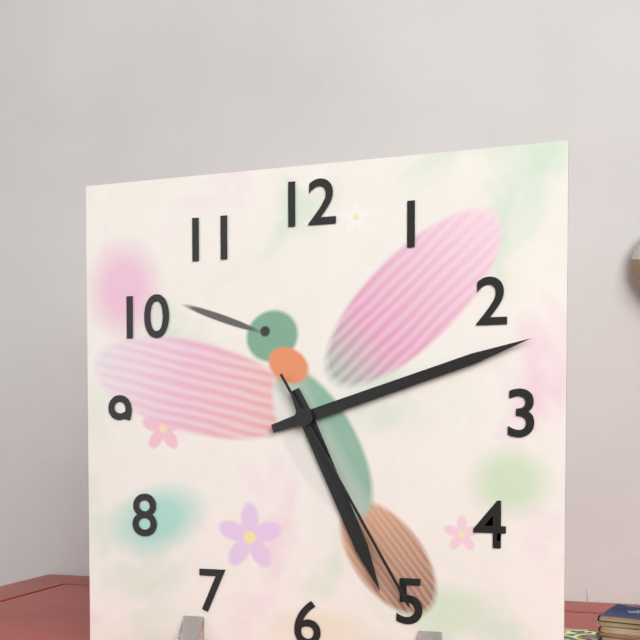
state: 5:12:25
